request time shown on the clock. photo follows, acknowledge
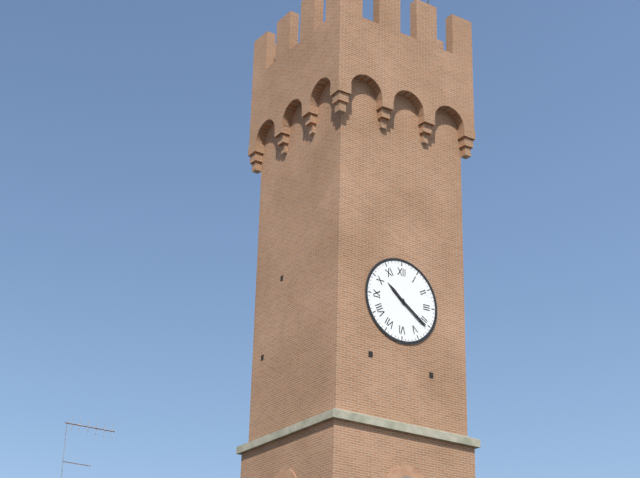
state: 10:21
